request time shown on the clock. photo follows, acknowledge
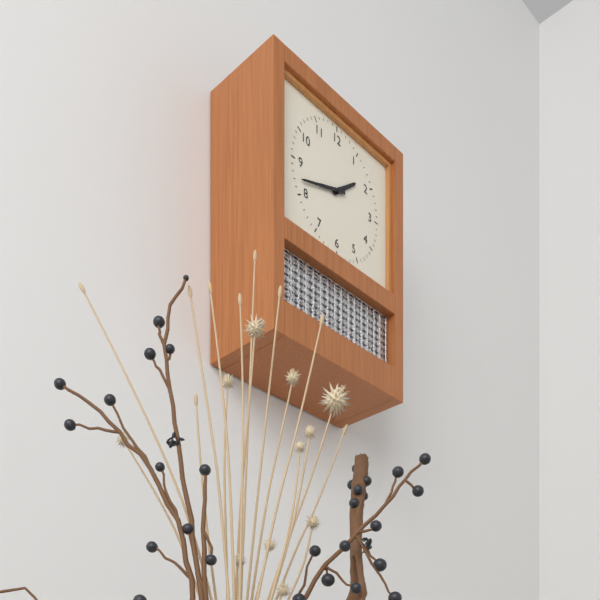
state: 1:42
